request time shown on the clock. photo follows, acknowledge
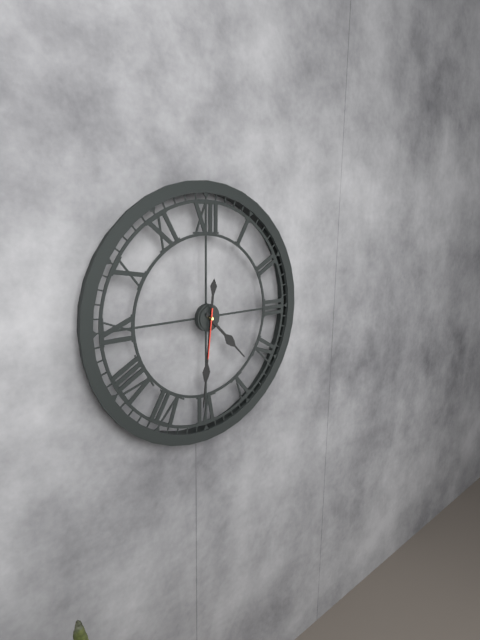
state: 4:31:31
